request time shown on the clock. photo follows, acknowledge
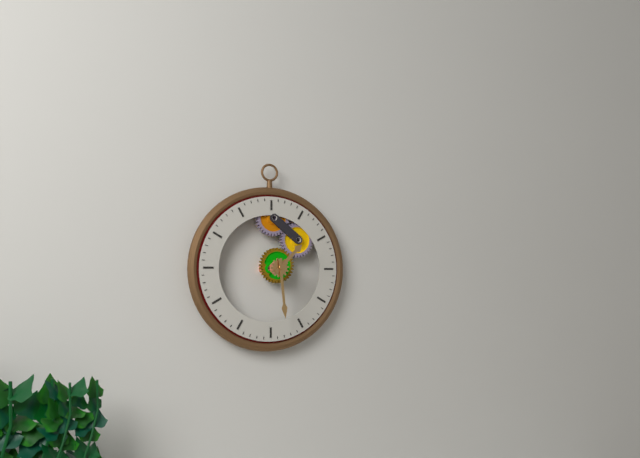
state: 1:29
